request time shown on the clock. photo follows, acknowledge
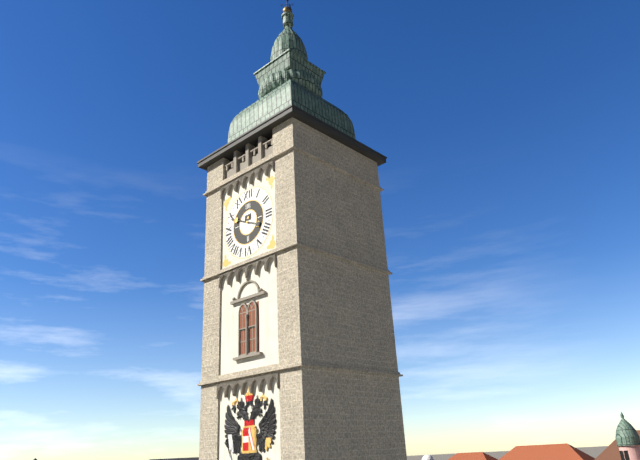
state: 3:49
